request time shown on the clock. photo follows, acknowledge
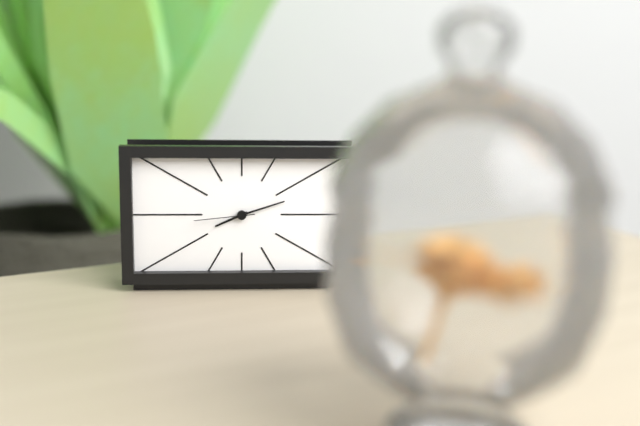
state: 8:12:44
